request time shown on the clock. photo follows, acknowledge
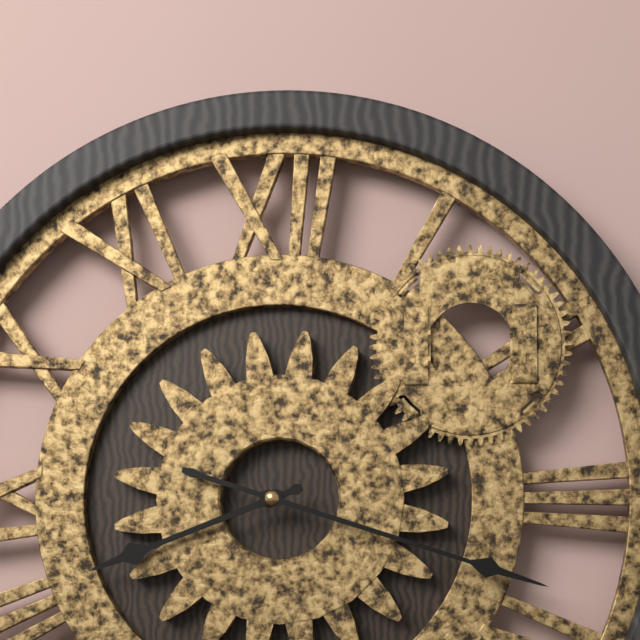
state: 8:18
